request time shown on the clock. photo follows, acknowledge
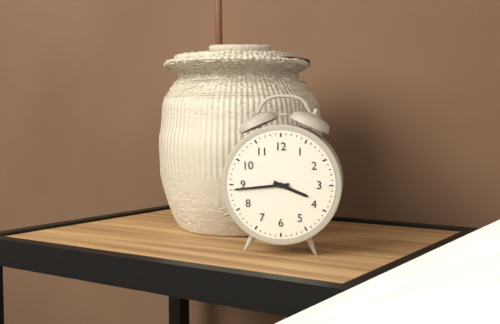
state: 3:44
